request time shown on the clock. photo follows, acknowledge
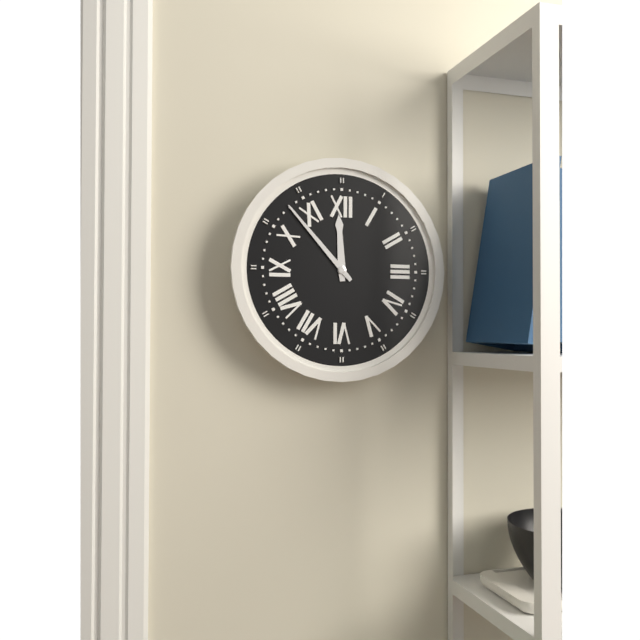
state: 11:53
